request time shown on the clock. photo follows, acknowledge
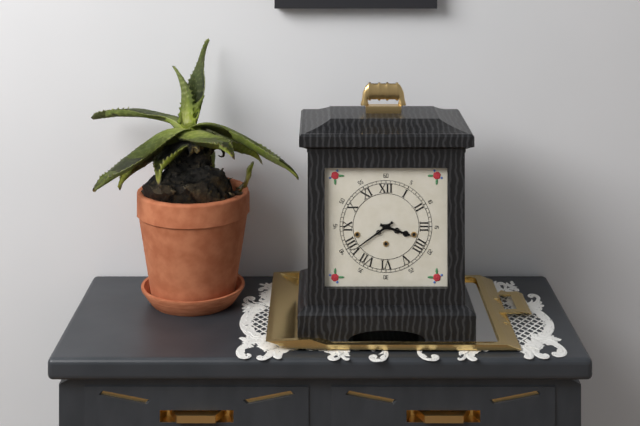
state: 3:39
